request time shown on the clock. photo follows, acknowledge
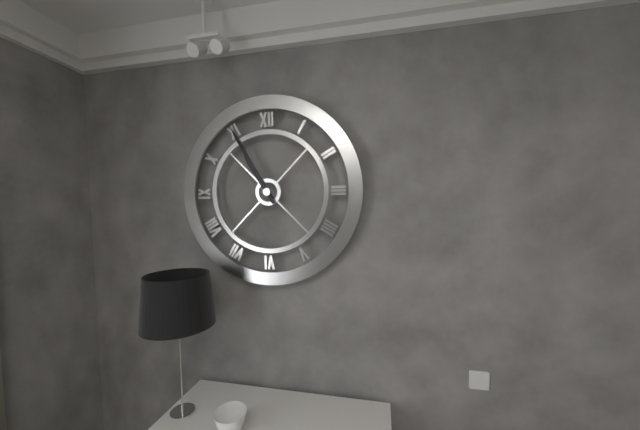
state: 10:55
